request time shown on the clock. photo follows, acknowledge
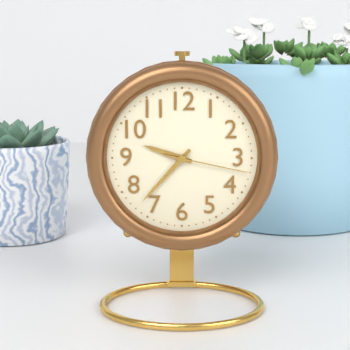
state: 9:37:17
